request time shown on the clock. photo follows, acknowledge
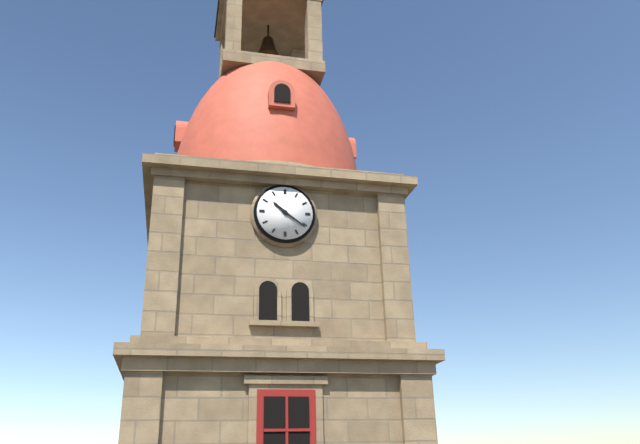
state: 10:21
